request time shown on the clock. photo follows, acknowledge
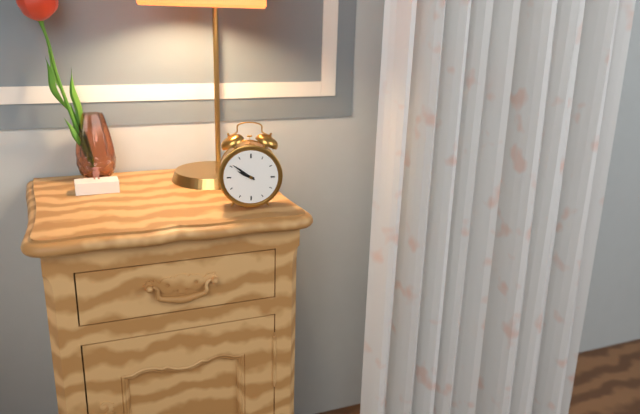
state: 9:51
